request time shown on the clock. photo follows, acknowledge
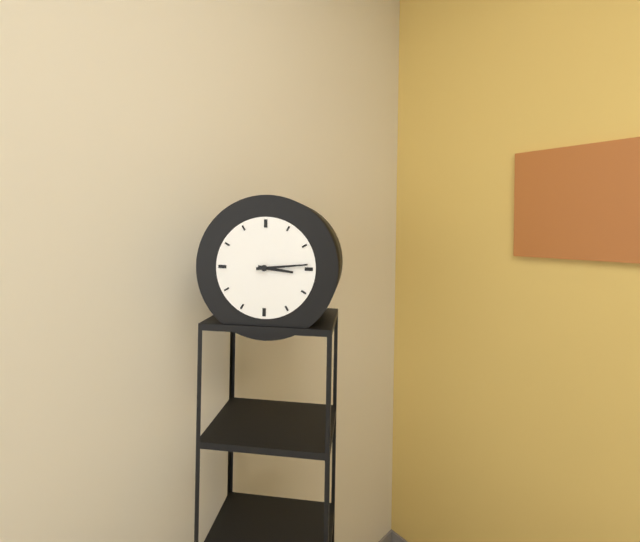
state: 3:14
